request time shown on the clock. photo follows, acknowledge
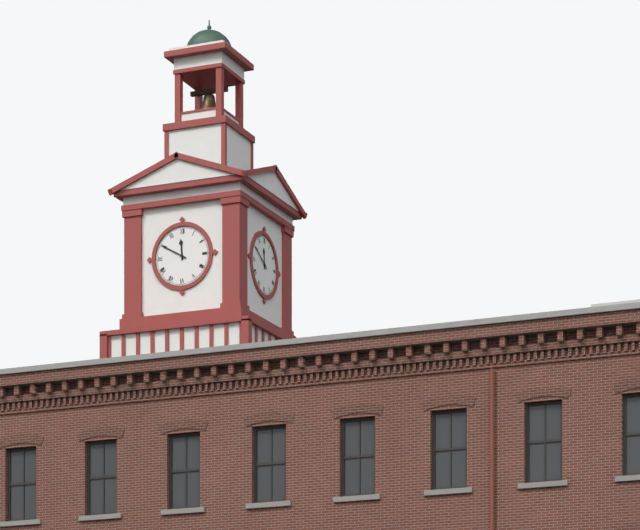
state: 11:50
